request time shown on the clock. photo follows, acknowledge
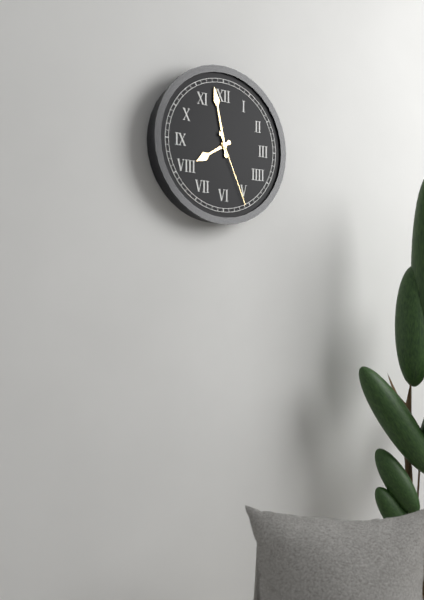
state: 7:58:26
